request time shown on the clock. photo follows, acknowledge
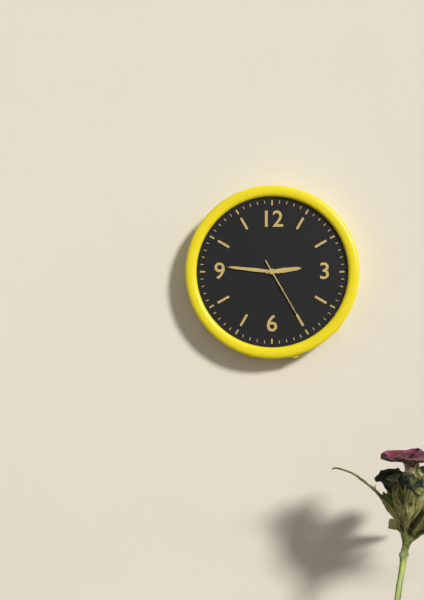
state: 2:46:25
